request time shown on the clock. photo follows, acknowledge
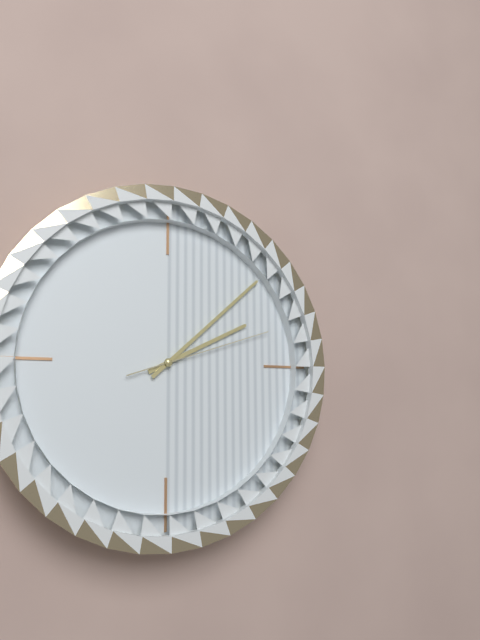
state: 2:08:12
